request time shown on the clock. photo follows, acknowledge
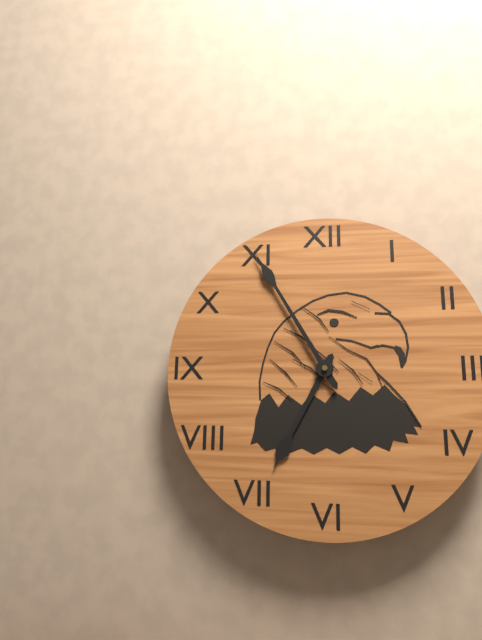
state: 6:55
